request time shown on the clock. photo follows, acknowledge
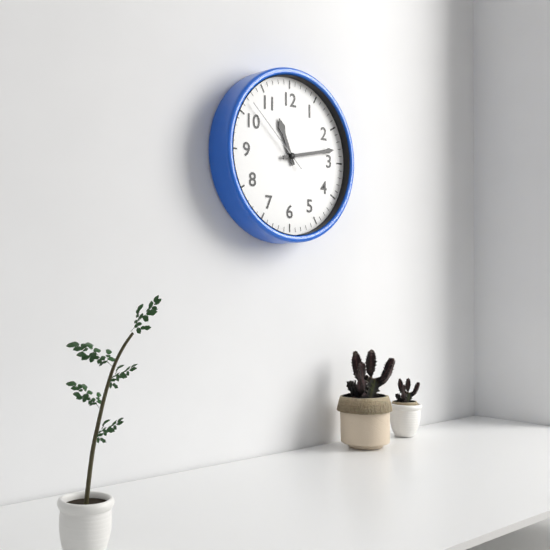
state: 11:13:52
